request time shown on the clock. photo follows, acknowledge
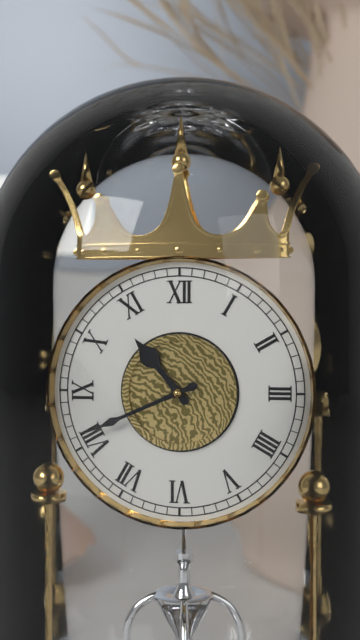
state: 10:41
